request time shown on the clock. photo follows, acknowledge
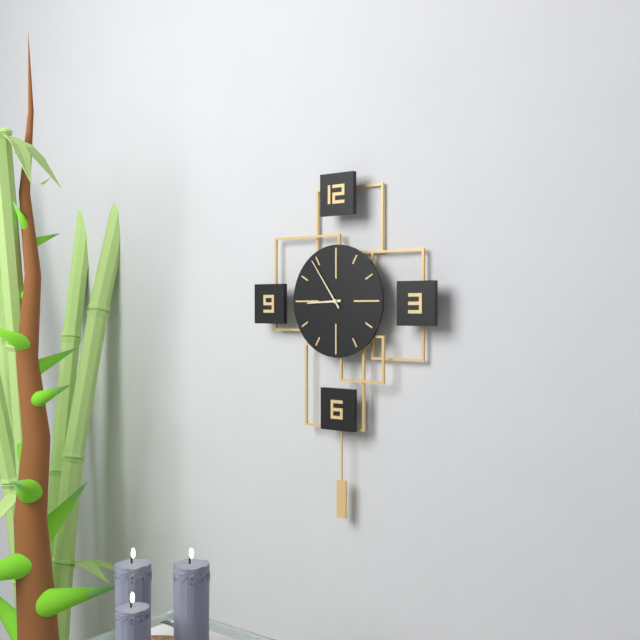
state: 8:54
